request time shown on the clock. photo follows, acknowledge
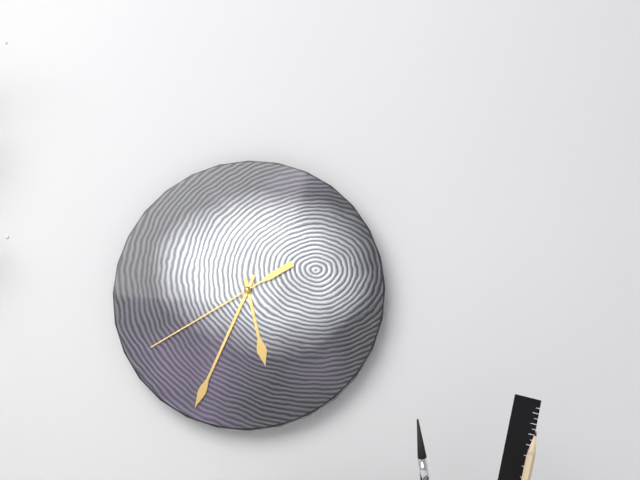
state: 5:34:40
